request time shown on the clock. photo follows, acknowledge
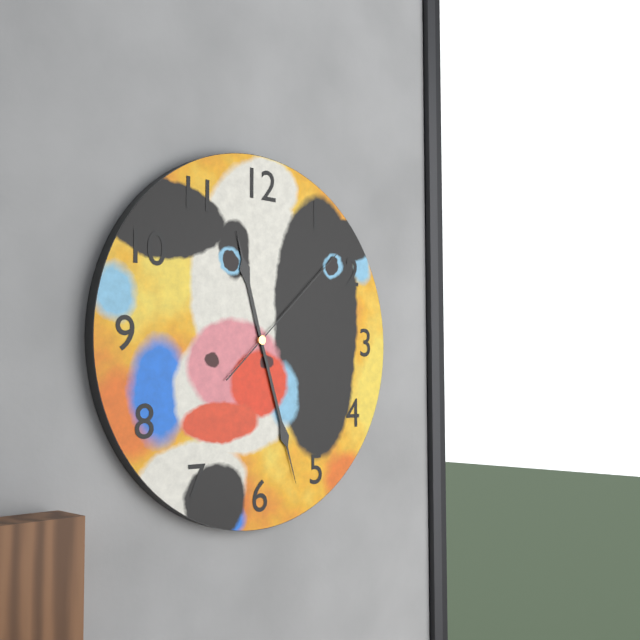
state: 11:27:08
